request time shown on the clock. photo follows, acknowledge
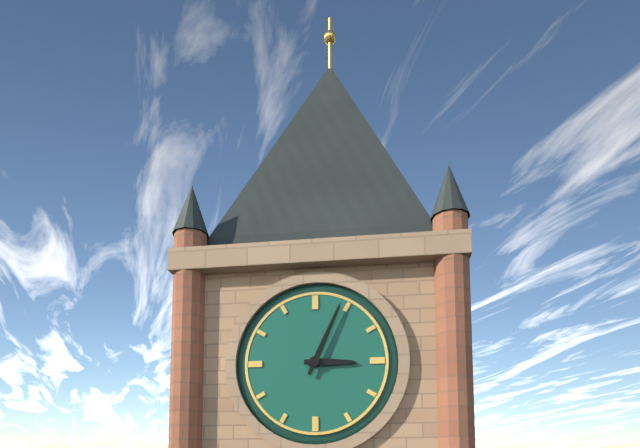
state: 3:04
